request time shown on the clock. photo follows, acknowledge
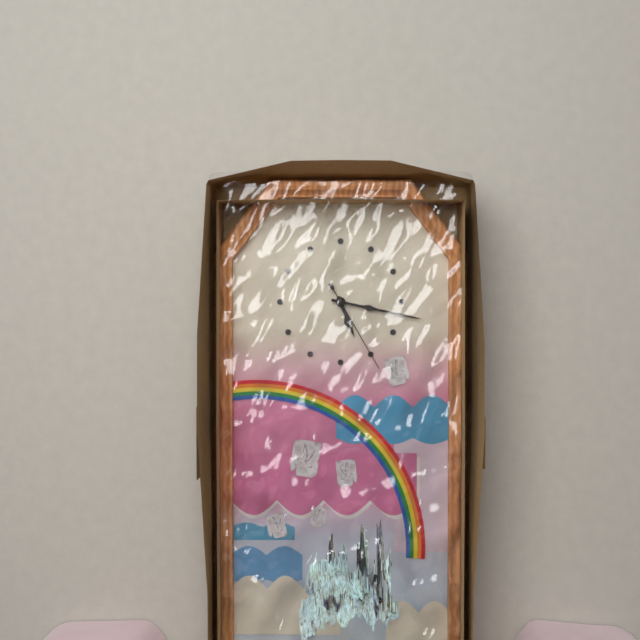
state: 5:17:25
